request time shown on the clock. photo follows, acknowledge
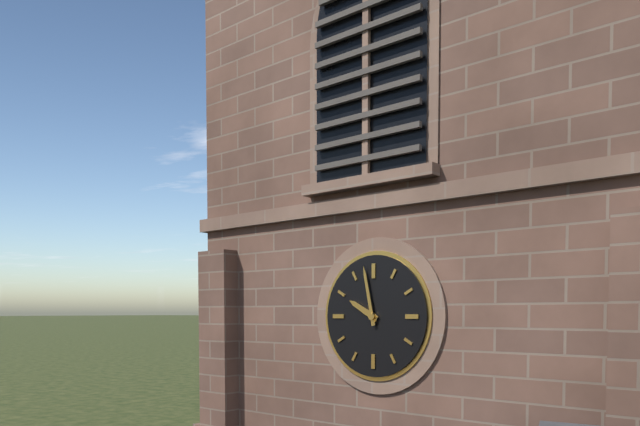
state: 9:58
